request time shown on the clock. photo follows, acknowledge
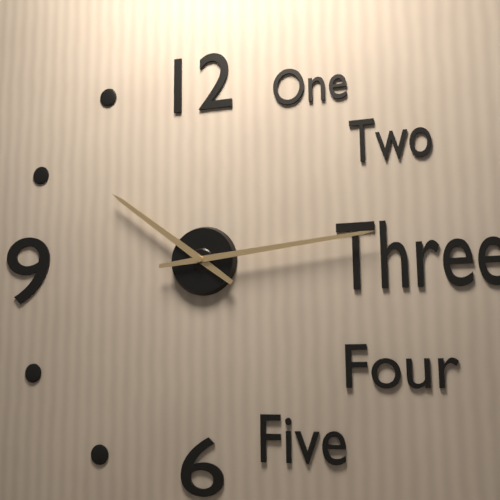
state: 10:14
